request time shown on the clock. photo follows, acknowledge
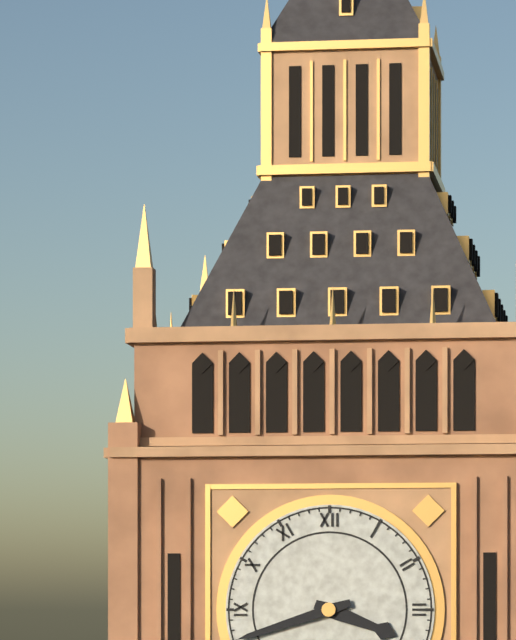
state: 3:42
